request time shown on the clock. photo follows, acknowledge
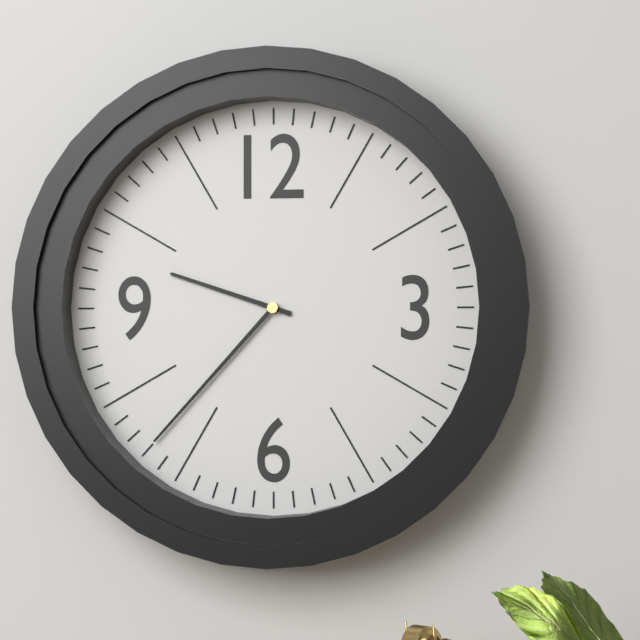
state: 9:37
